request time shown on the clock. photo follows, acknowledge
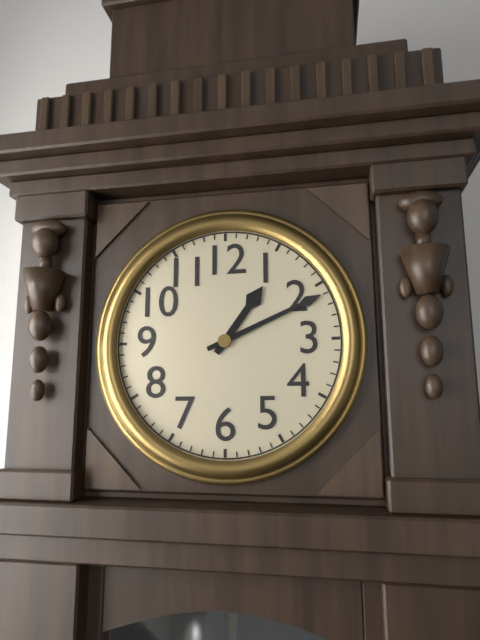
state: 1:11
